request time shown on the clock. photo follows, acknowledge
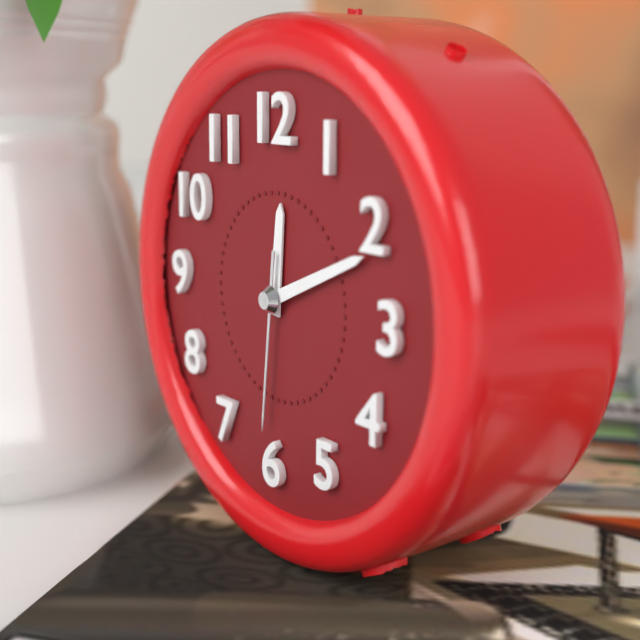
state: 12:11:31
